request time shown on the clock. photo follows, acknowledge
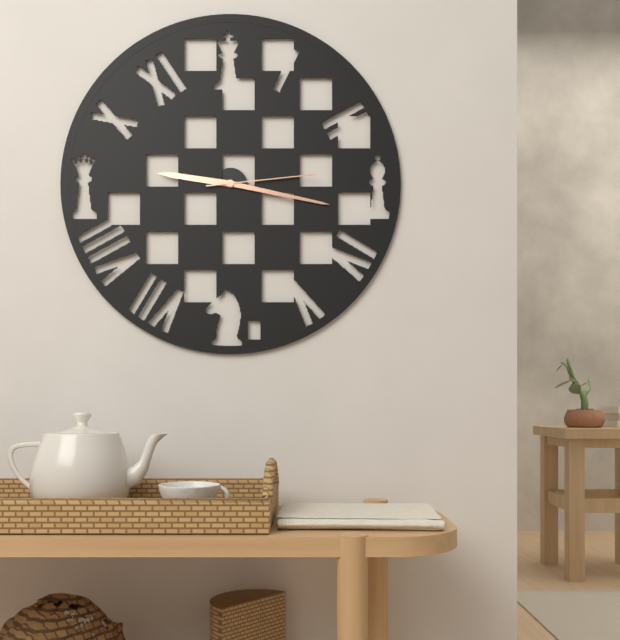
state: 9:17:14
